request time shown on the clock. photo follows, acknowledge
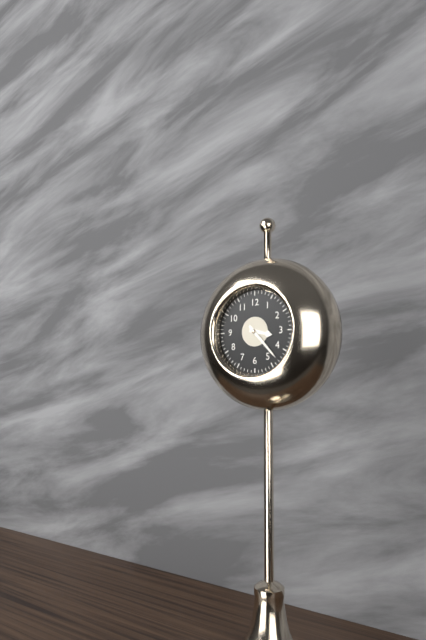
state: 3:23
